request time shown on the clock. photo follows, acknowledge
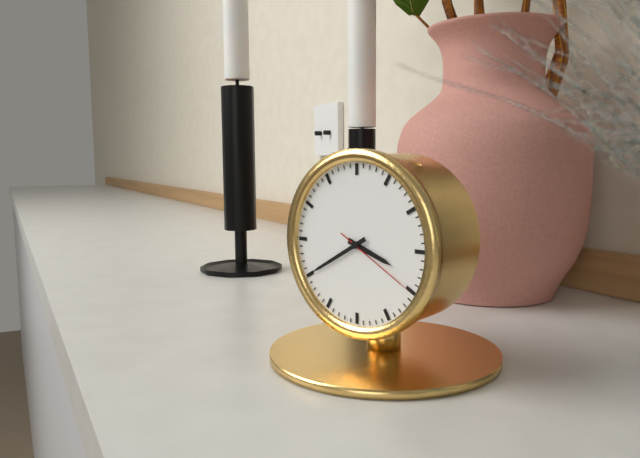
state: 3:40:20
